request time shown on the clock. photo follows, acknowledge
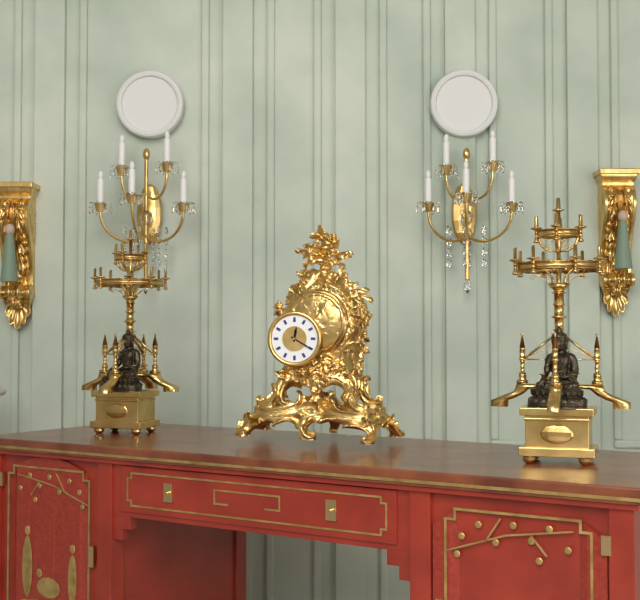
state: 12:20
